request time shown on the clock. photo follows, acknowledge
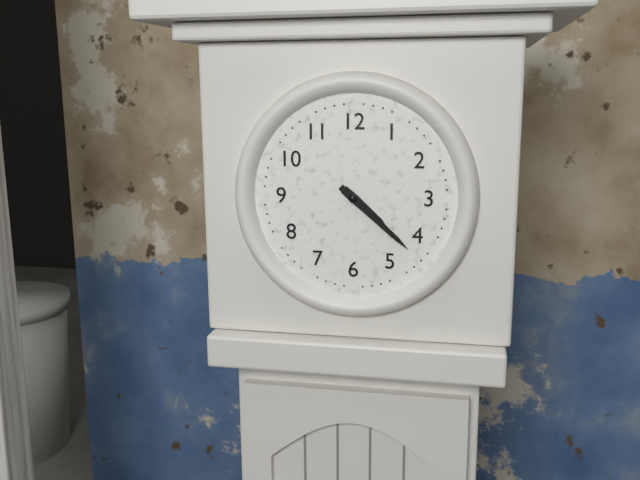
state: 4:22
